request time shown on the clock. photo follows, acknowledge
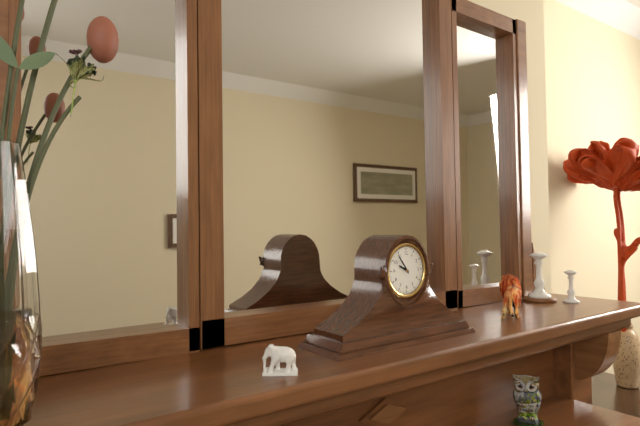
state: 9:54
